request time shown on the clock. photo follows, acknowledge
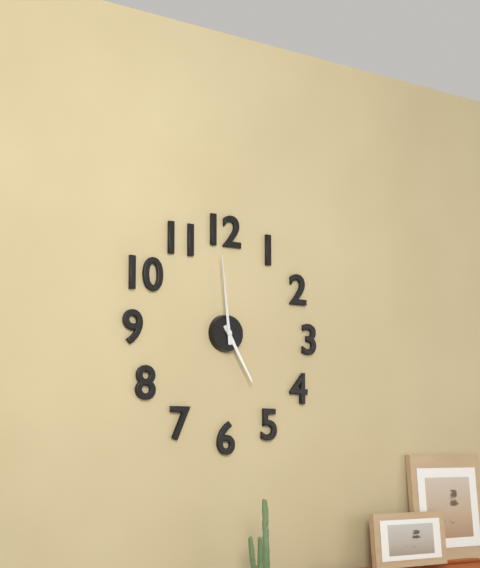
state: 4:59
